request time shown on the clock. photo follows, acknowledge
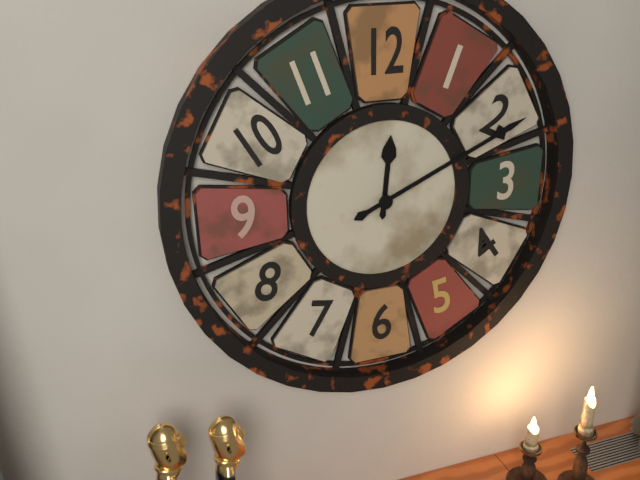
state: 12:11
